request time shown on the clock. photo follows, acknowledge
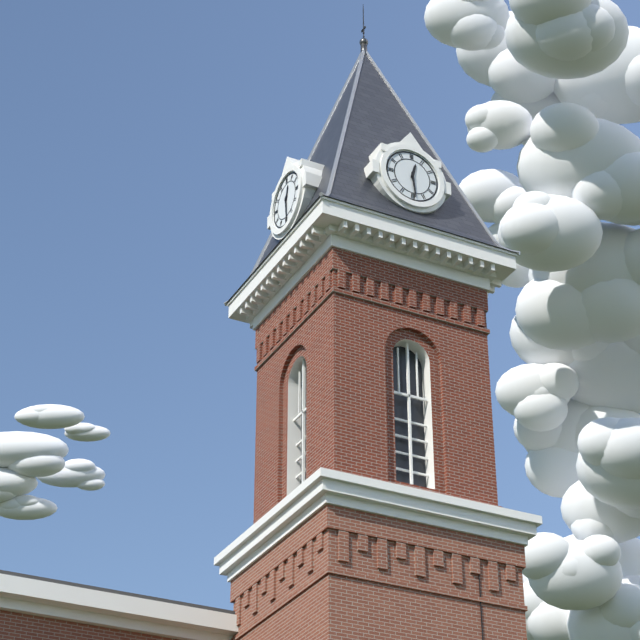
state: 12:29
